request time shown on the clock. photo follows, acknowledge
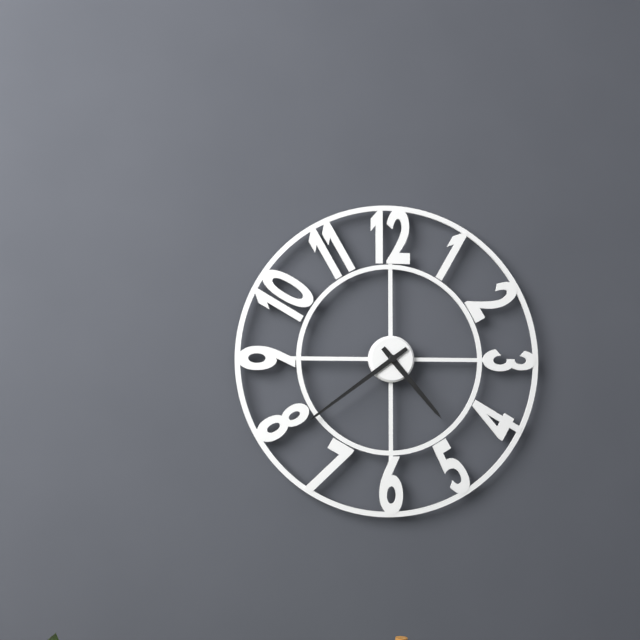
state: 4:39
